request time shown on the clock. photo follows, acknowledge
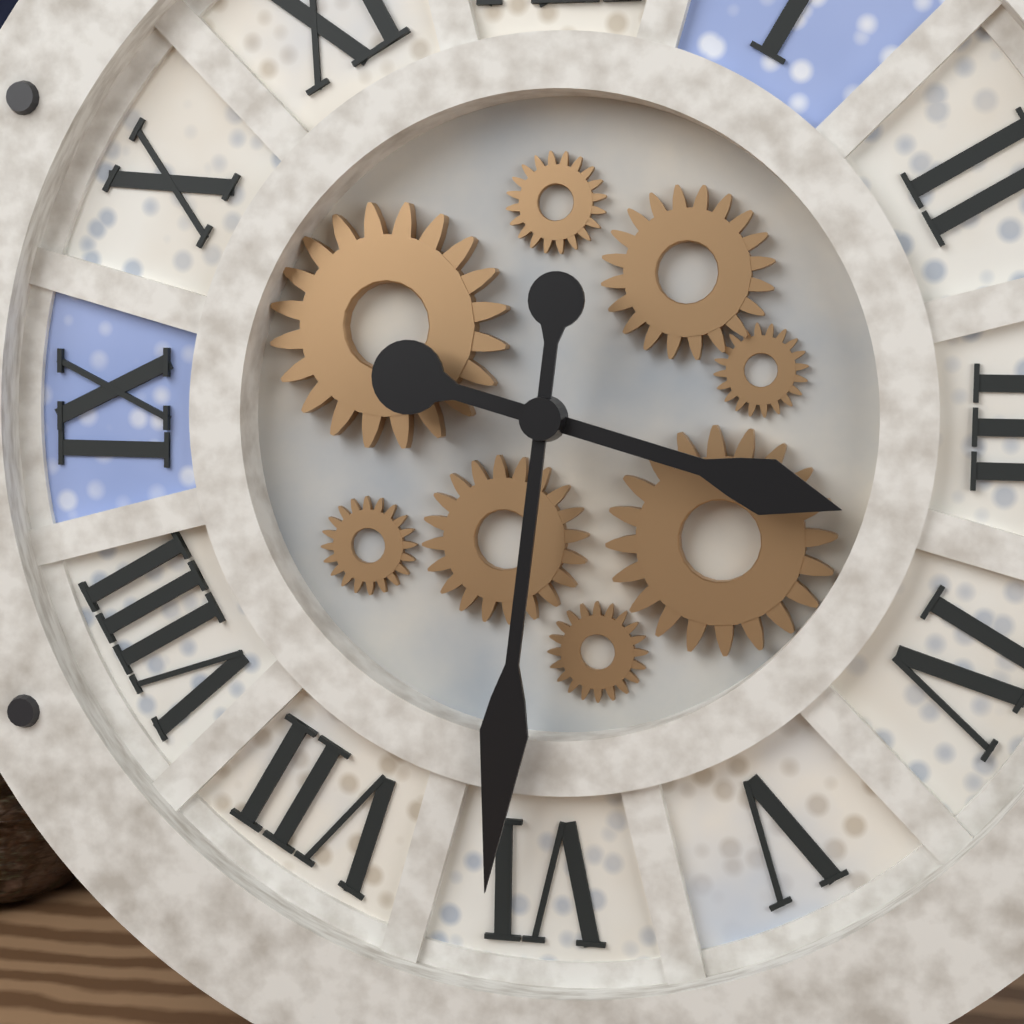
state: 3:31
